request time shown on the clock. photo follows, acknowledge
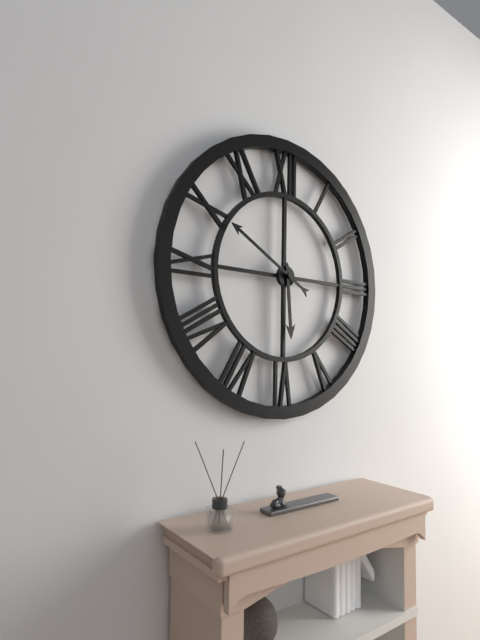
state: 5:50
